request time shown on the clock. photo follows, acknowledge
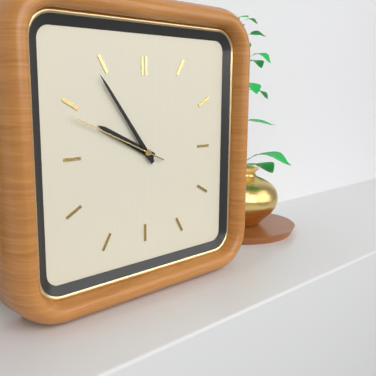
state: 9:54:49
